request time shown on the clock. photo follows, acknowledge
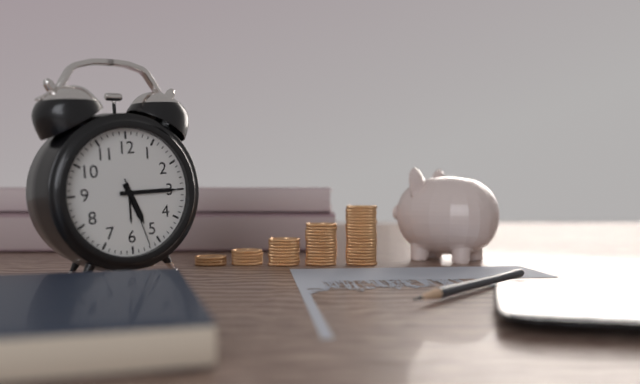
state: 5:15:27
